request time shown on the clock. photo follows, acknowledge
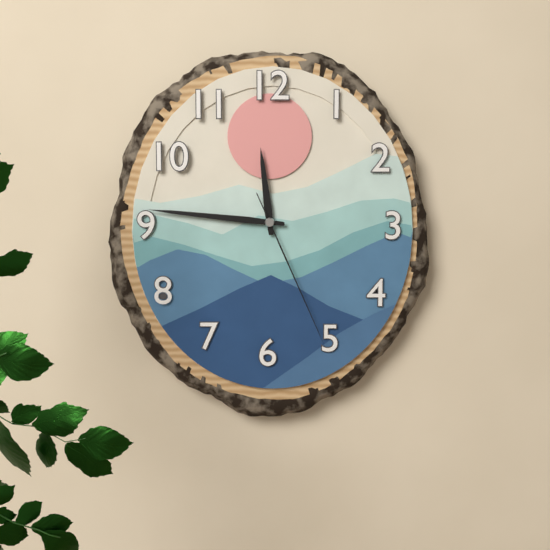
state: 11:46:26
